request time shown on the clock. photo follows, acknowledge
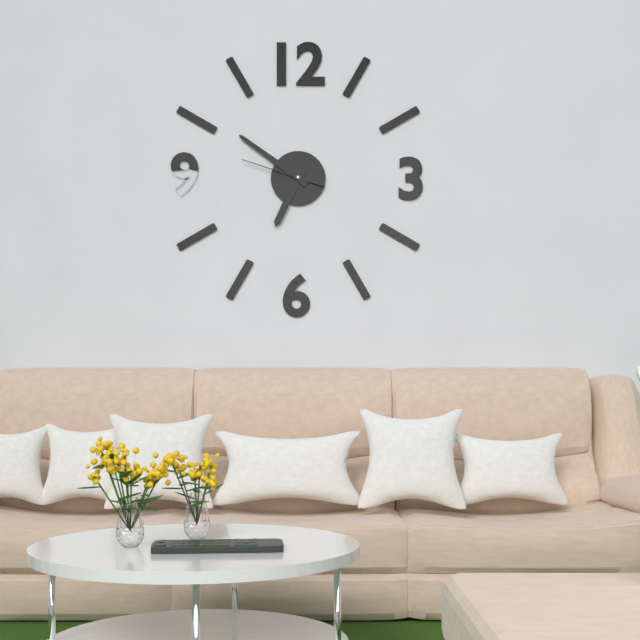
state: 6:51:48
